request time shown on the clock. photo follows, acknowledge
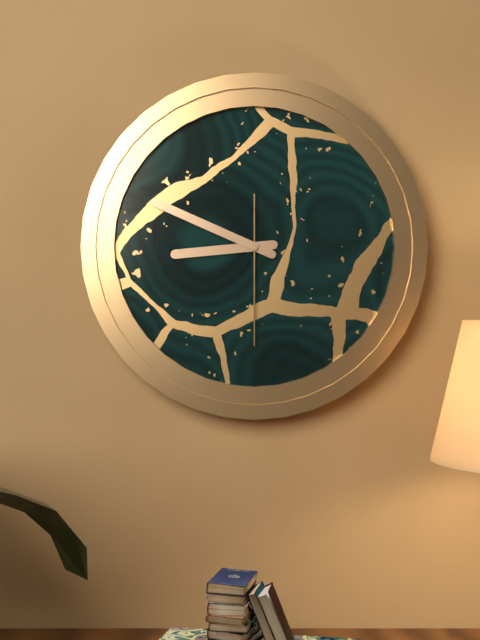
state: 8:49:30
